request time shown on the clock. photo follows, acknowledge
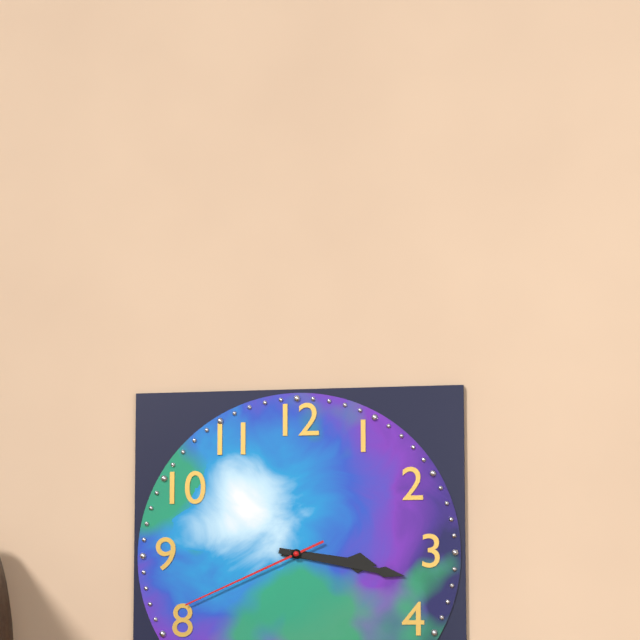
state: 3:17:41
